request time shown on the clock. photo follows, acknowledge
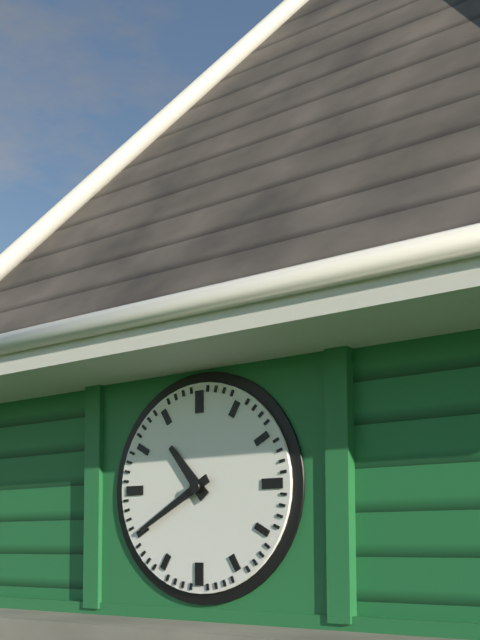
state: 10:40
